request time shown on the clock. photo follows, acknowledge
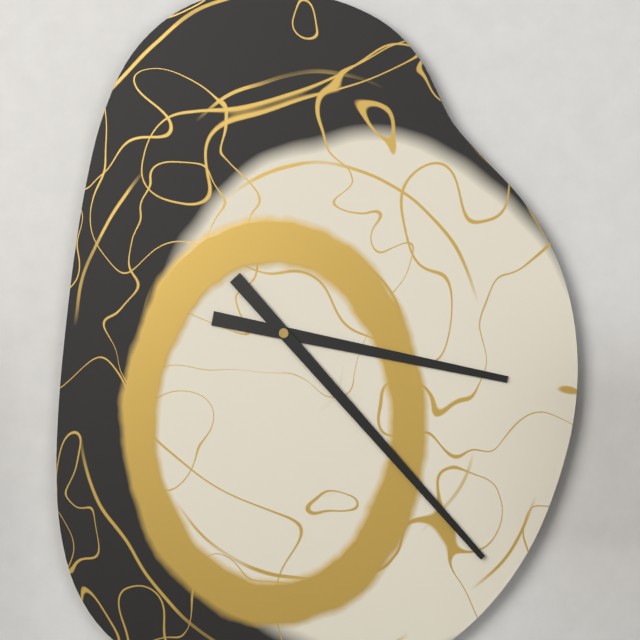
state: 3:23
